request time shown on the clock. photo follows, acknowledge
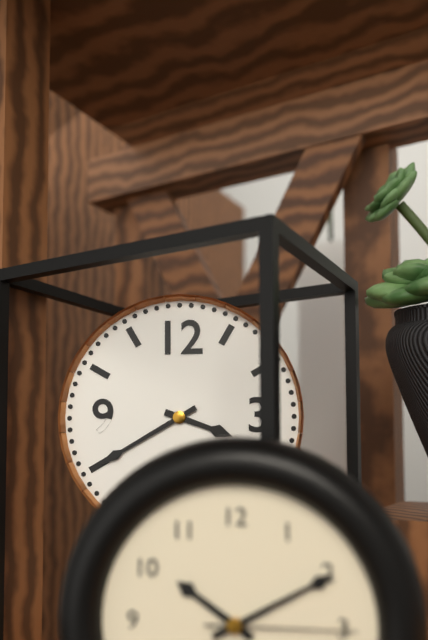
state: 3:40
